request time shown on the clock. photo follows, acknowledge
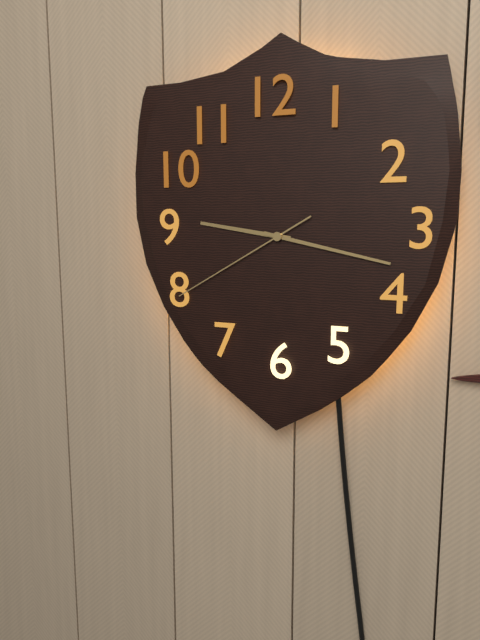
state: 9:17:40
